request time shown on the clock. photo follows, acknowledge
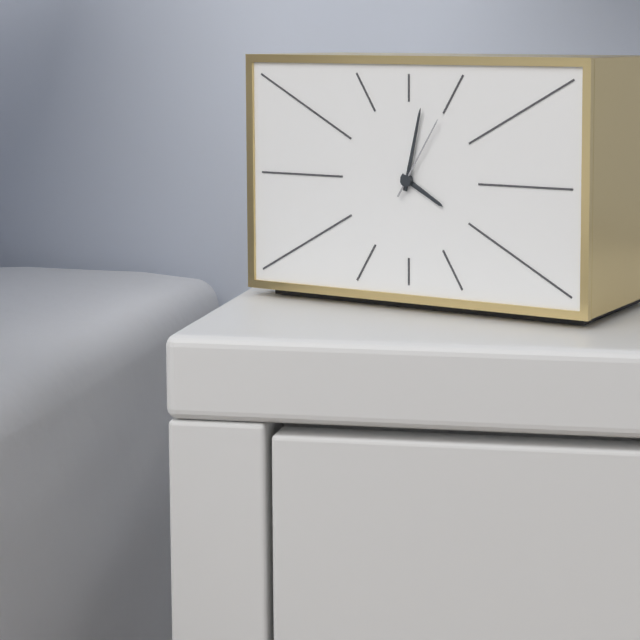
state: 4:02:05
